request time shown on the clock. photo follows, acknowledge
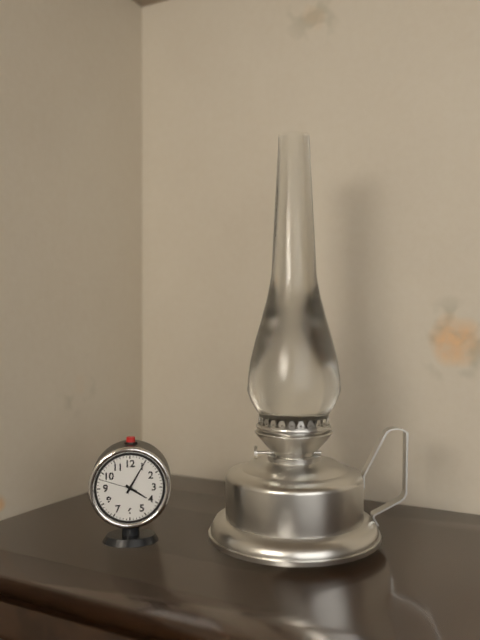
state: 4:05
